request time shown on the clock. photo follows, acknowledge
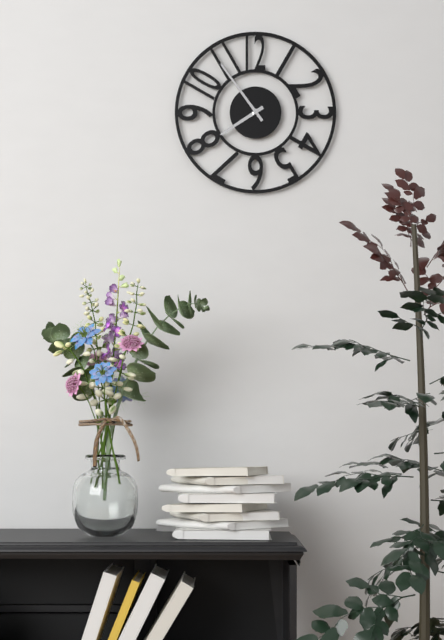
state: 7:54
